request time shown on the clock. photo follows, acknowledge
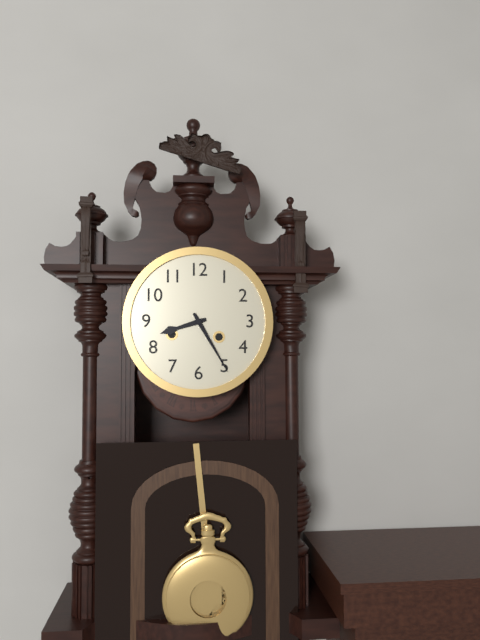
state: 8:25
